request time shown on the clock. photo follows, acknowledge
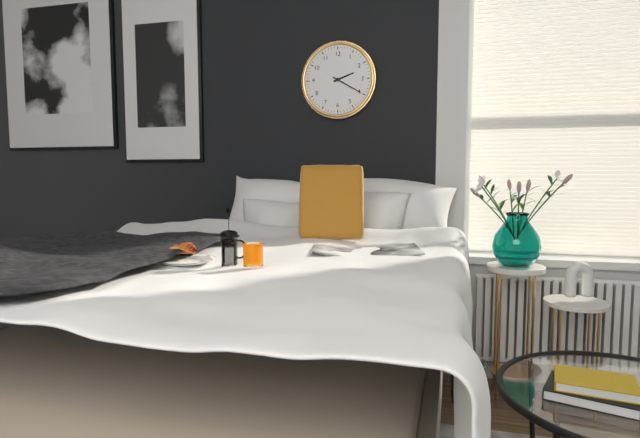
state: 2:20
